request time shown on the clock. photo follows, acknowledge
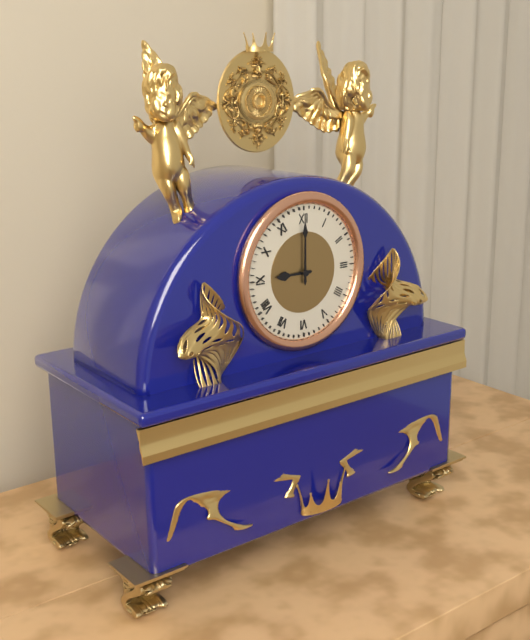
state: 9:00
